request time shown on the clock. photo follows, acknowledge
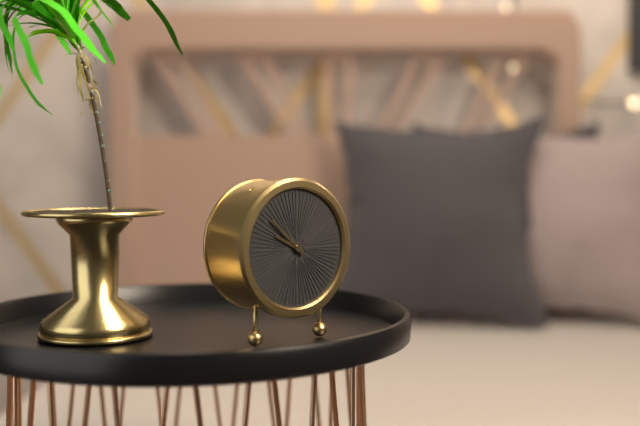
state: 9:52
